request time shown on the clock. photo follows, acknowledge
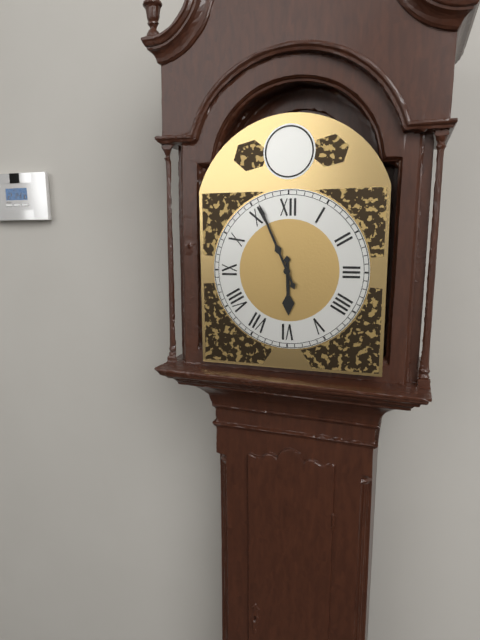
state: 5:56
